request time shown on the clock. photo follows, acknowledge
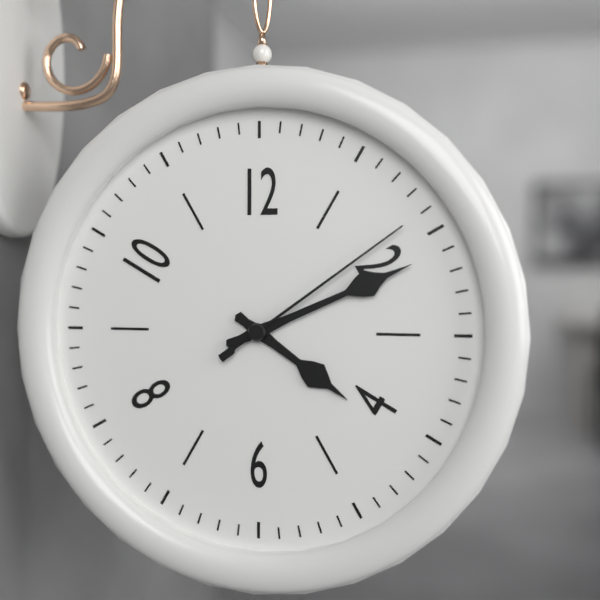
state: 4:11:09
